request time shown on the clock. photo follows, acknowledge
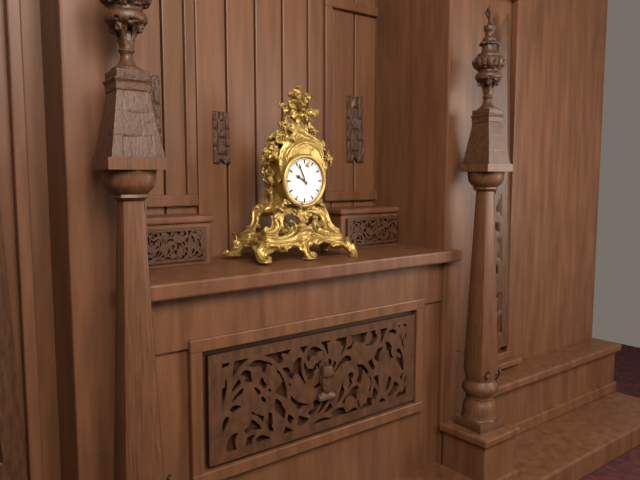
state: 9:56
